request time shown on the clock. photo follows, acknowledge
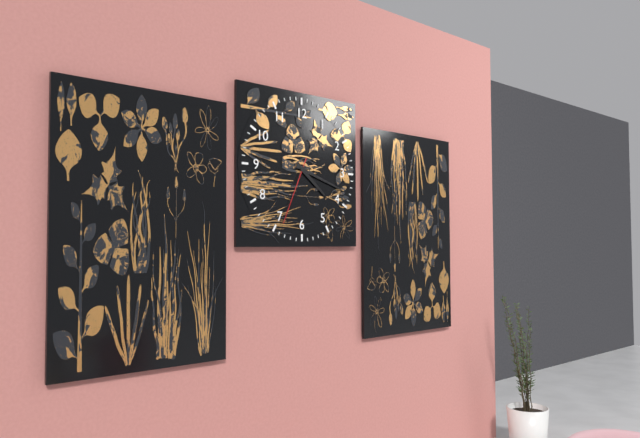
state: 4:18:34
